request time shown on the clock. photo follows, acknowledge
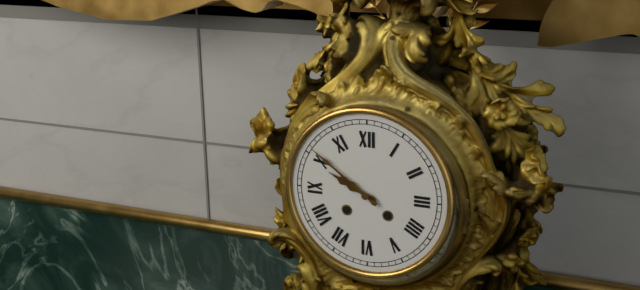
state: 9:51
